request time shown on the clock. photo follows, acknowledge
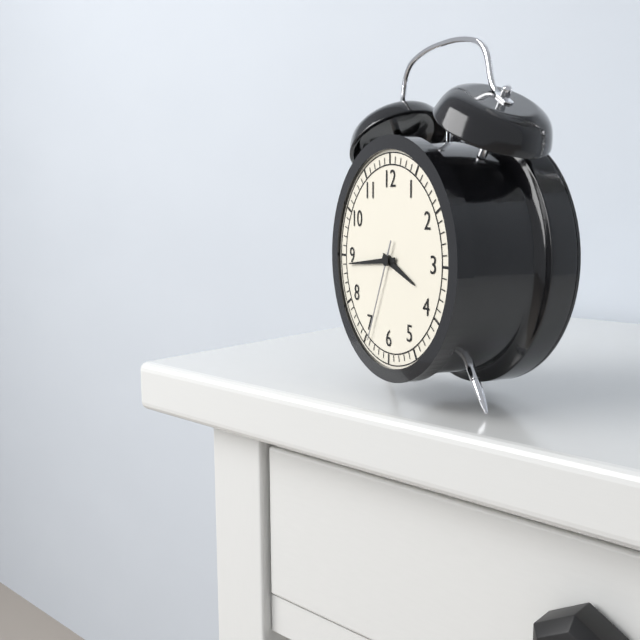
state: 3:44:34
